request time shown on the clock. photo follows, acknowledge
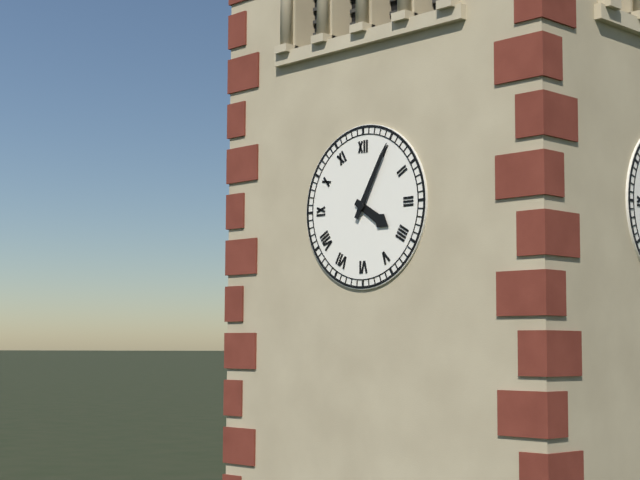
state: 4:05
